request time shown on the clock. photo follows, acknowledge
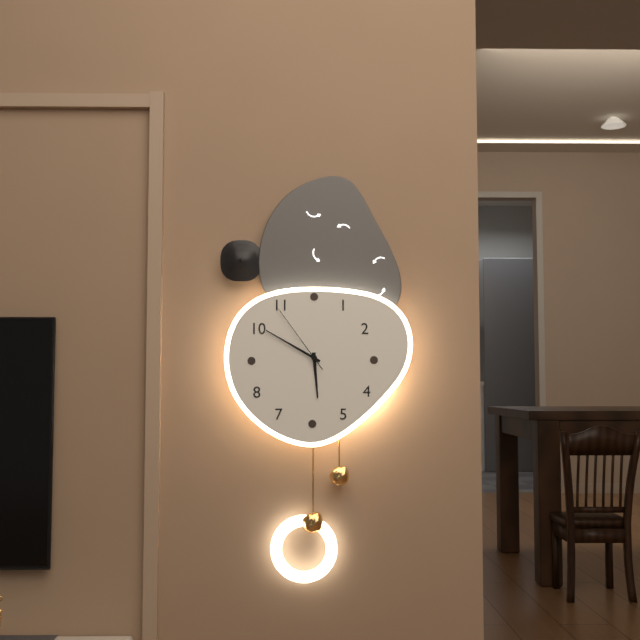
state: 5:50:54
